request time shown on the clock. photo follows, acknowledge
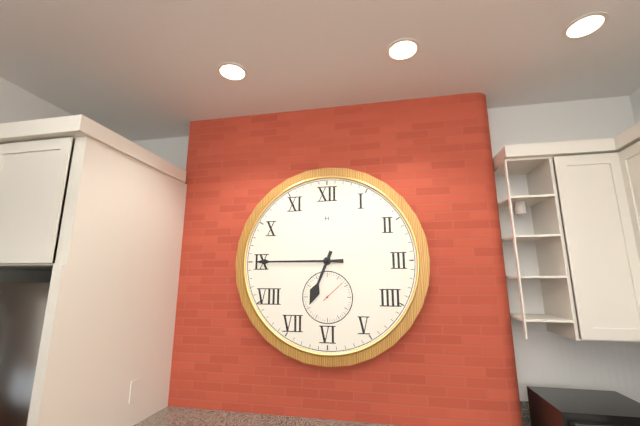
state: 6:45
